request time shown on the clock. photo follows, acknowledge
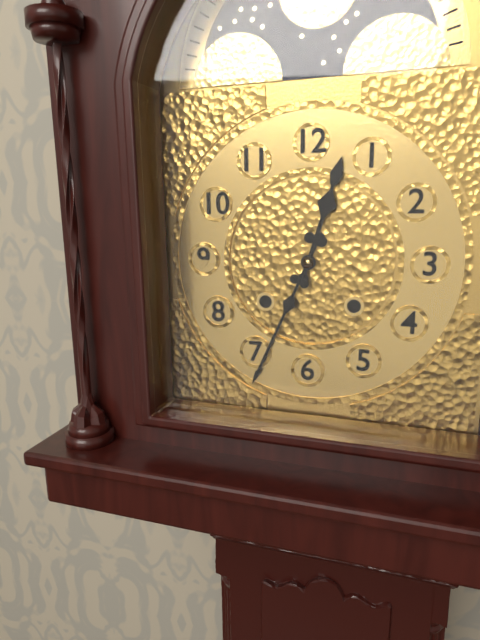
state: 12:34
